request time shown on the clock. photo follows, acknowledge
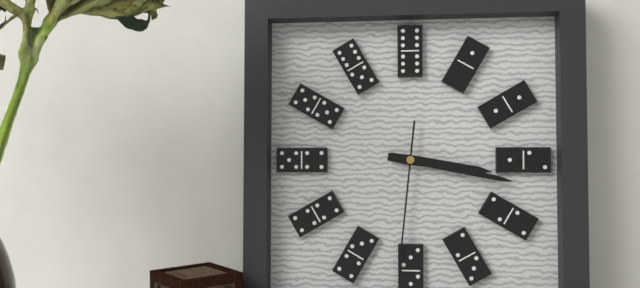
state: 3:17:31
